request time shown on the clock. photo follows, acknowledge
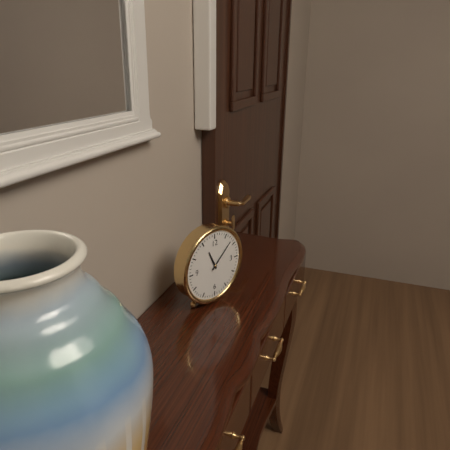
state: 11:08
